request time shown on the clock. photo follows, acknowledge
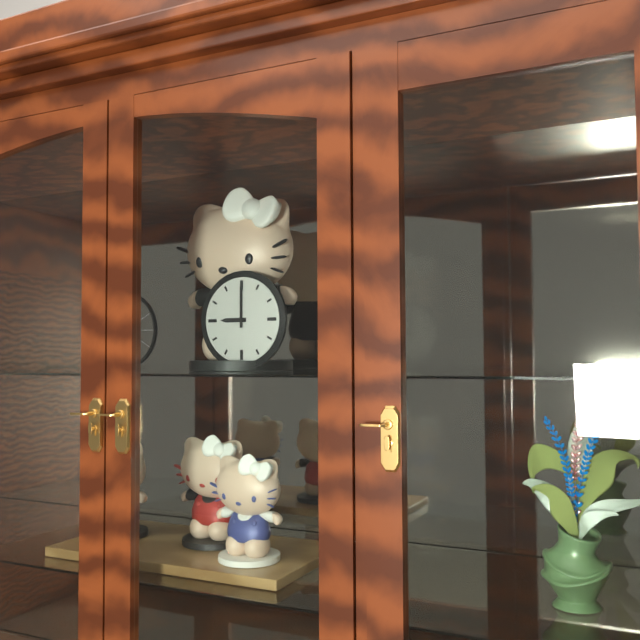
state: 9:00
